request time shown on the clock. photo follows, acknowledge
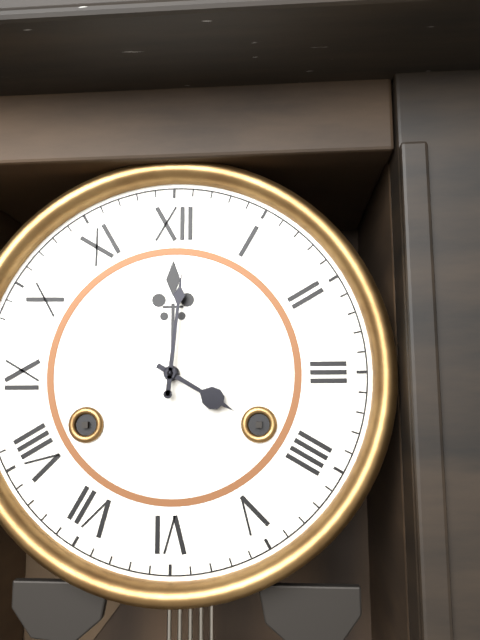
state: 4:01
